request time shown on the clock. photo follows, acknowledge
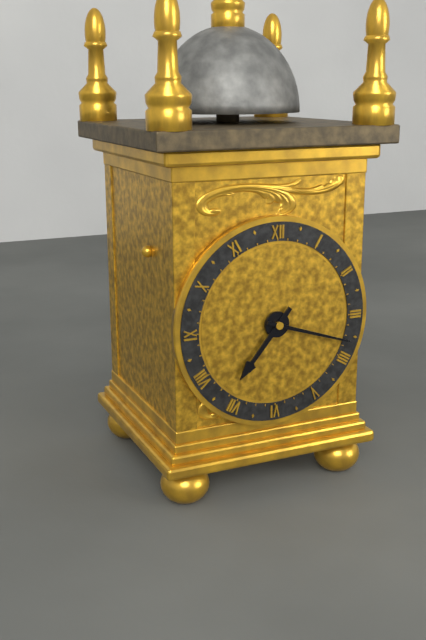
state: 7:18
